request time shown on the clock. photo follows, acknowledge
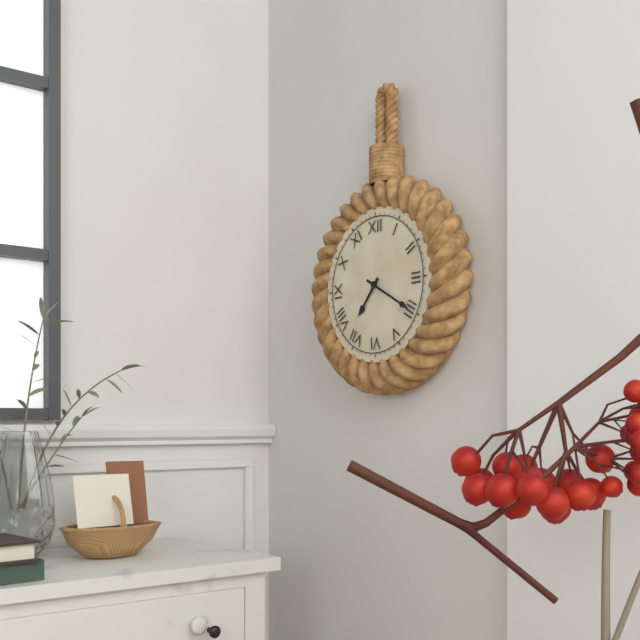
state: 7:20
